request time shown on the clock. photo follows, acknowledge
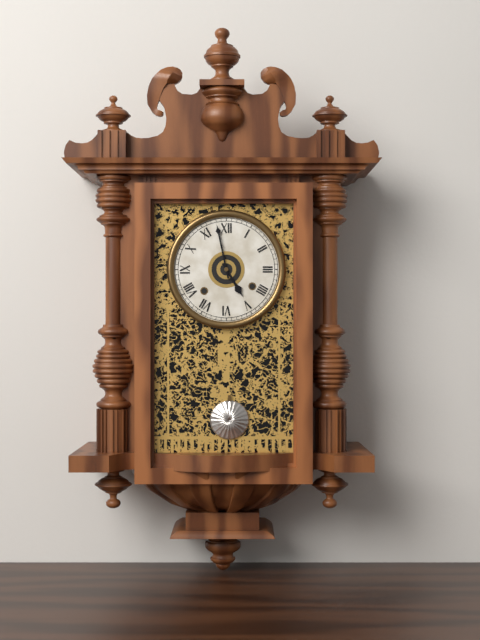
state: 4:58
